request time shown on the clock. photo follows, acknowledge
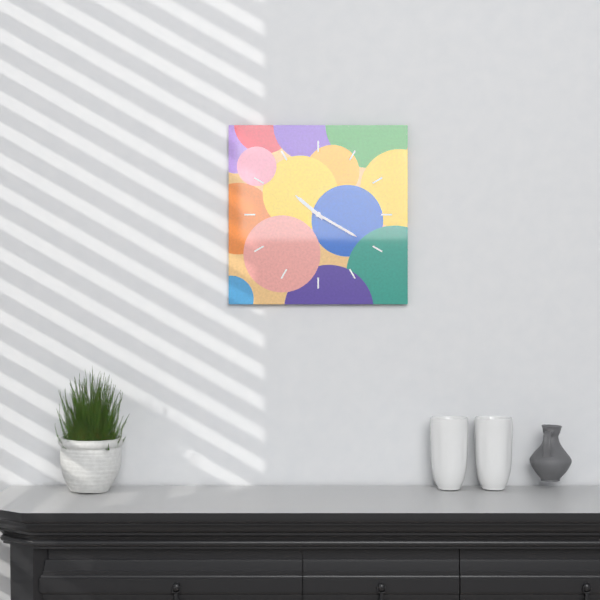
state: 10:20
